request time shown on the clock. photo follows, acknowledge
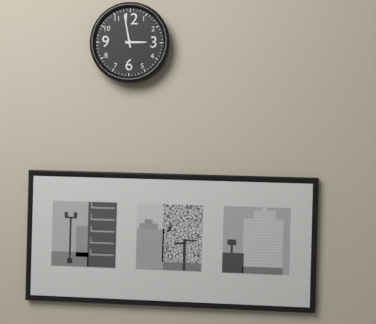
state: 2:58
